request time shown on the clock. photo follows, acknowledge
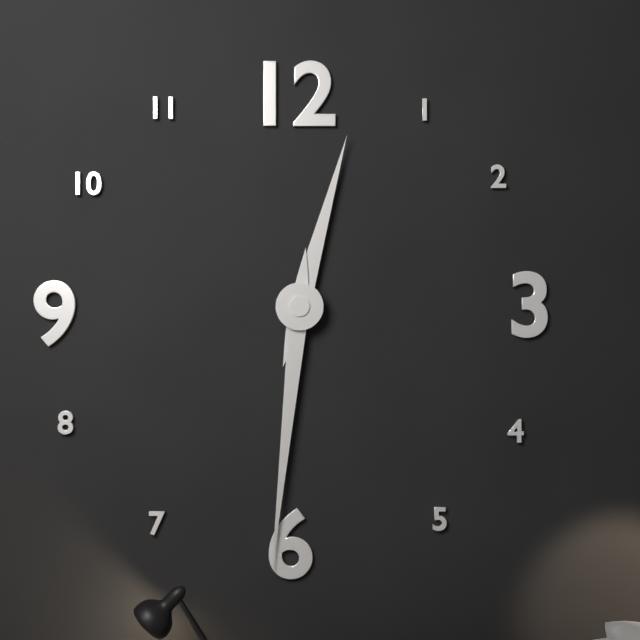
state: 12:31
